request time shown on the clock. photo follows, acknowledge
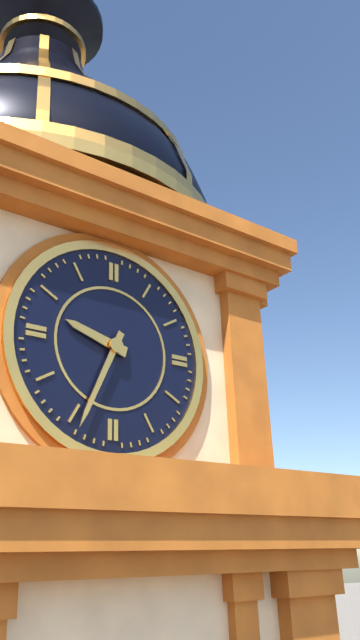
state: 9:34
